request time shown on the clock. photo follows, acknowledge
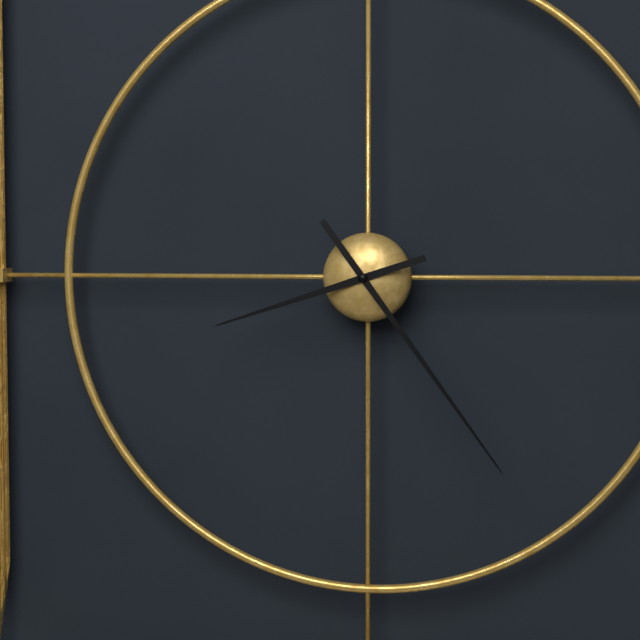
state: 8:24
